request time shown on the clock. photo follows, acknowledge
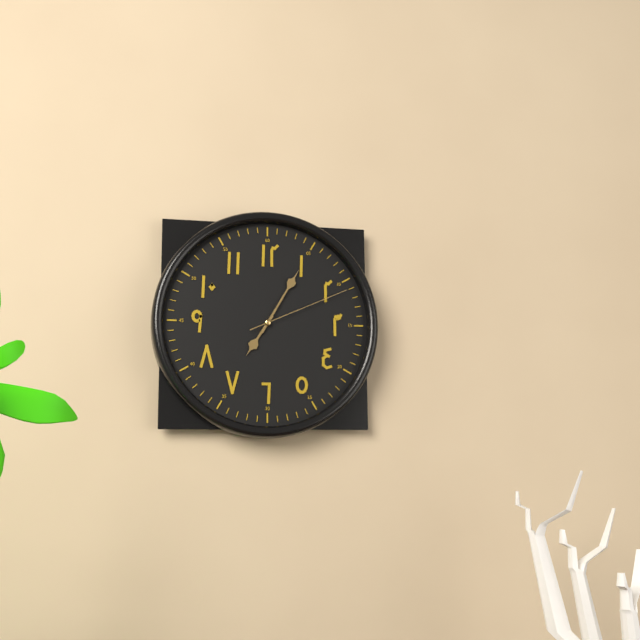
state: 7:05:11
